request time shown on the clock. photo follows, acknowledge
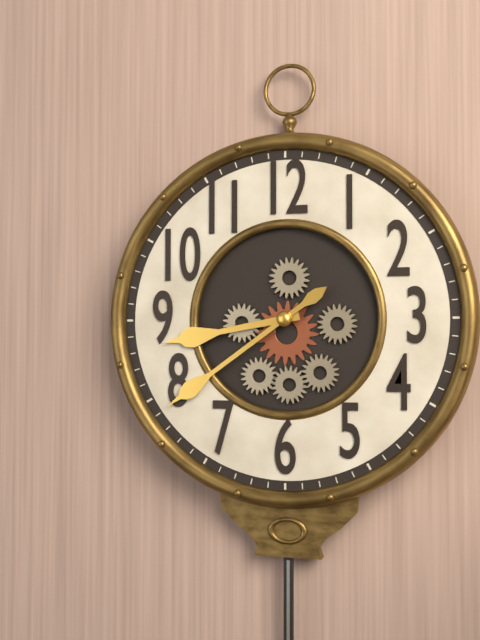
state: 8:39
